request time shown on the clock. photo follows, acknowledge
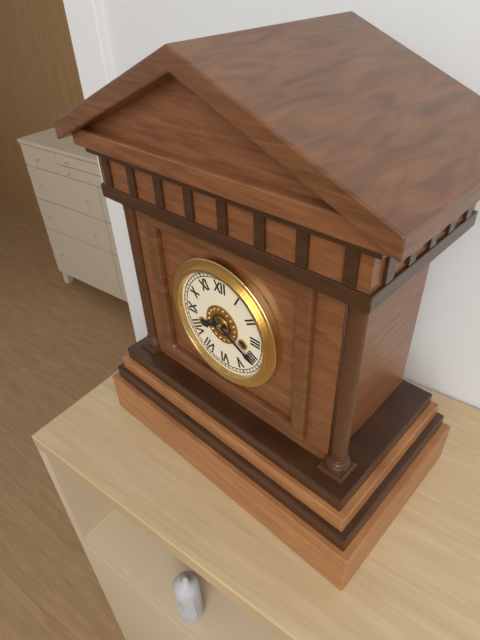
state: 8:20
